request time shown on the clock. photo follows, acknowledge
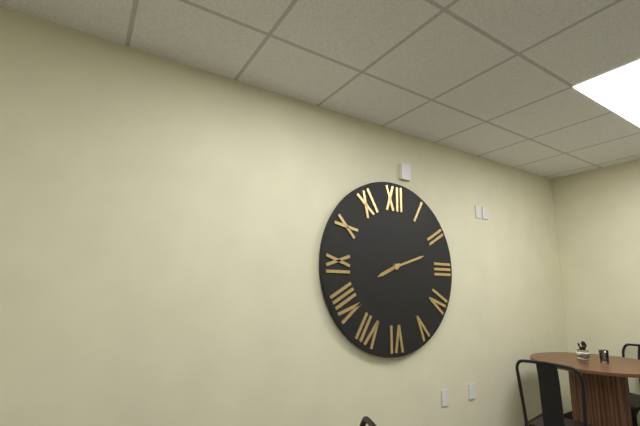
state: 8:12
